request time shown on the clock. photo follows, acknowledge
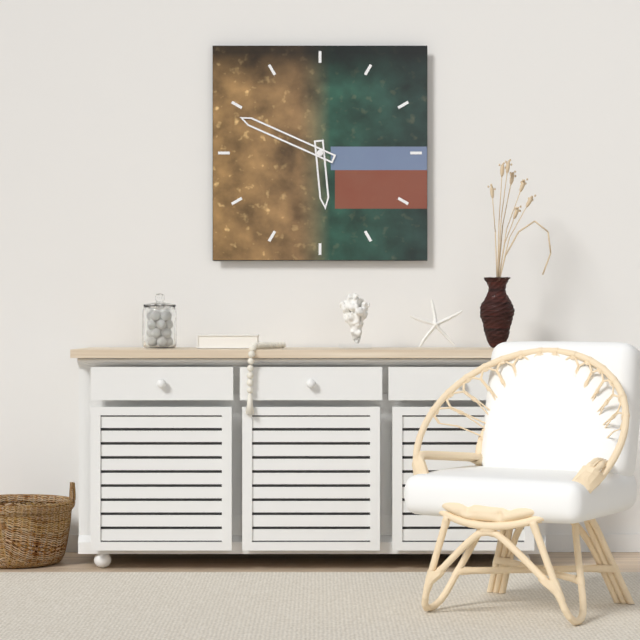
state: 5:49
